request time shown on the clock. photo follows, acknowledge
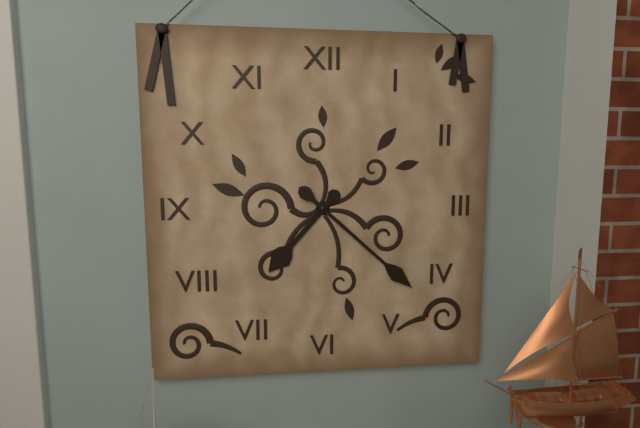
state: 7:22
